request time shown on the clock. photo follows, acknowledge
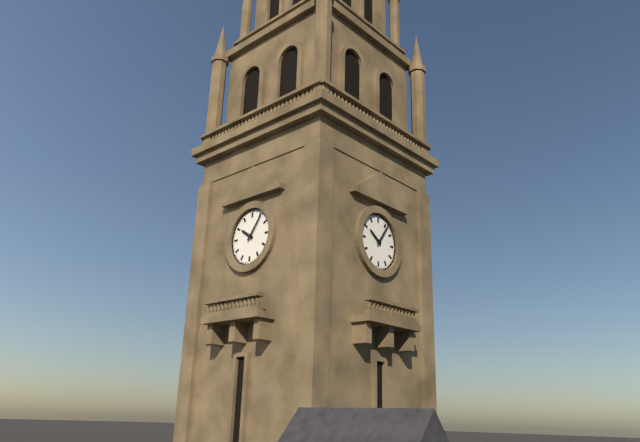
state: 10:06
